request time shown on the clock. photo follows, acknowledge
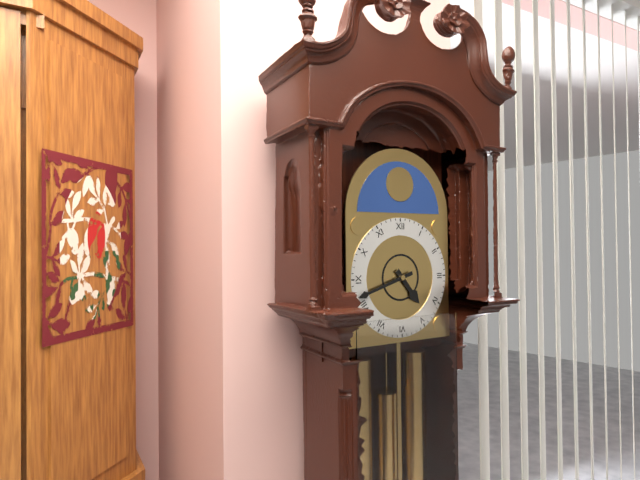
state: 4:42
